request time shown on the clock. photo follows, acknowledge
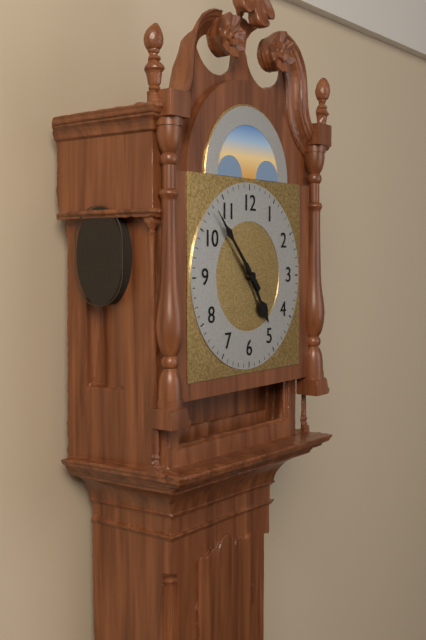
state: 4:53
